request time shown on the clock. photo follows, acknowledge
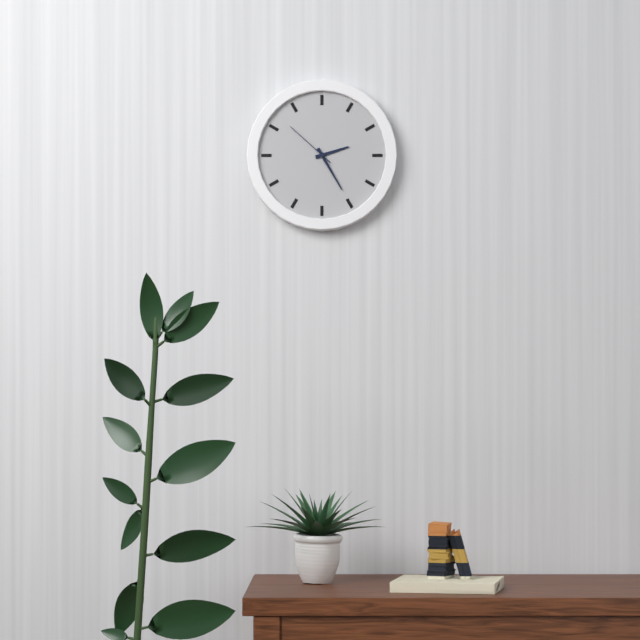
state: 2:25:52
